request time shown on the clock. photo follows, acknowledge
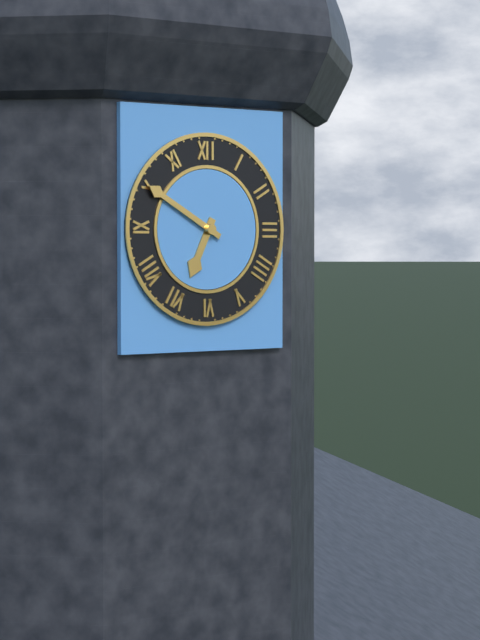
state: 6:50
